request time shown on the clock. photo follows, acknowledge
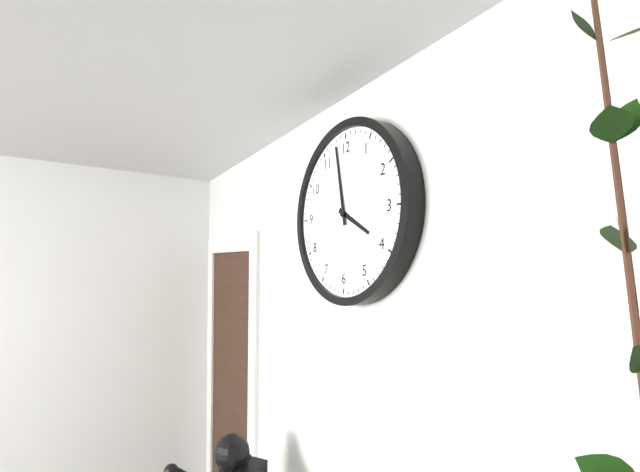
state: 3:58
